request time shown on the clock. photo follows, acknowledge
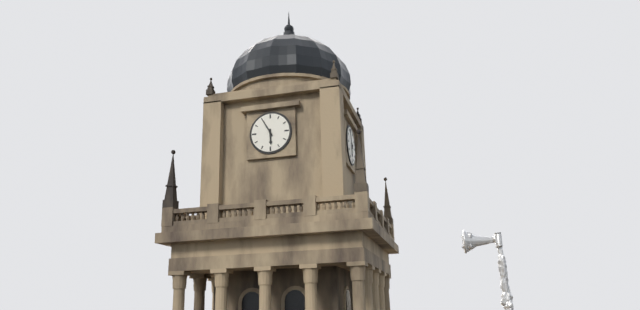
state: 5:55
